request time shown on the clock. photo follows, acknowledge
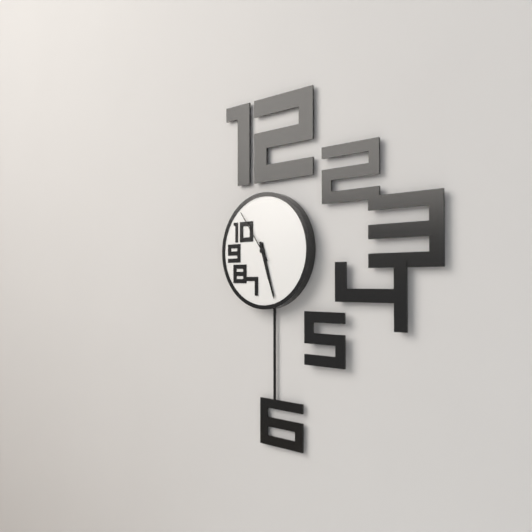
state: 5:27:54
